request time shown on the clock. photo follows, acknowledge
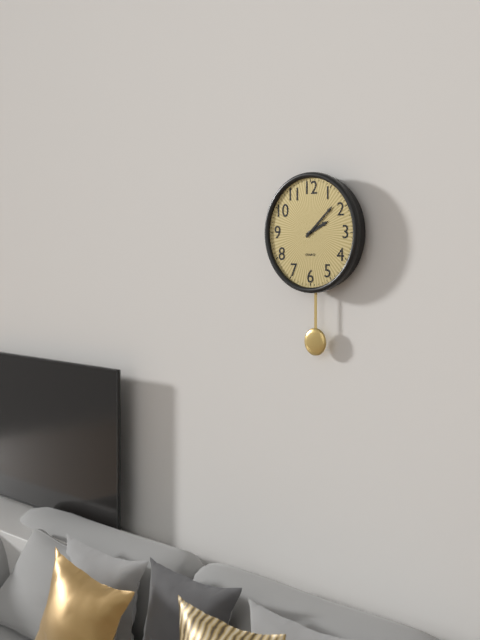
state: 2:08
